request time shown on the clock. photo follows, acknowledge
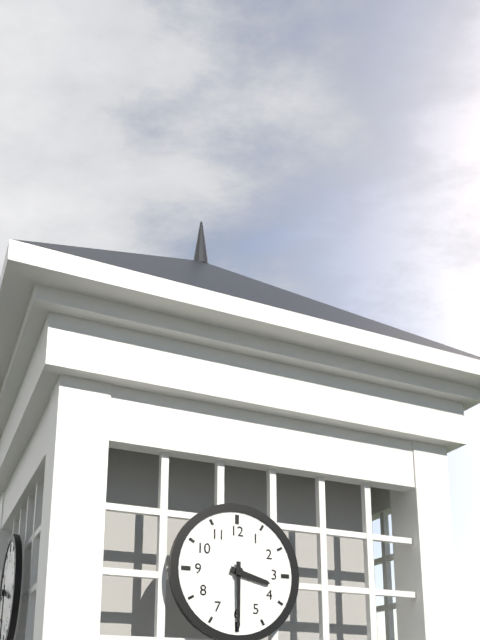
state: 3:30
